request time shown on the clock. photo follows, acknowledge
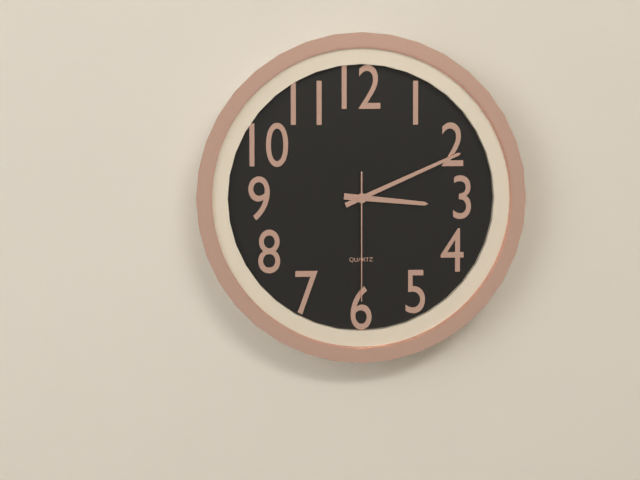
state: 3:11:30
